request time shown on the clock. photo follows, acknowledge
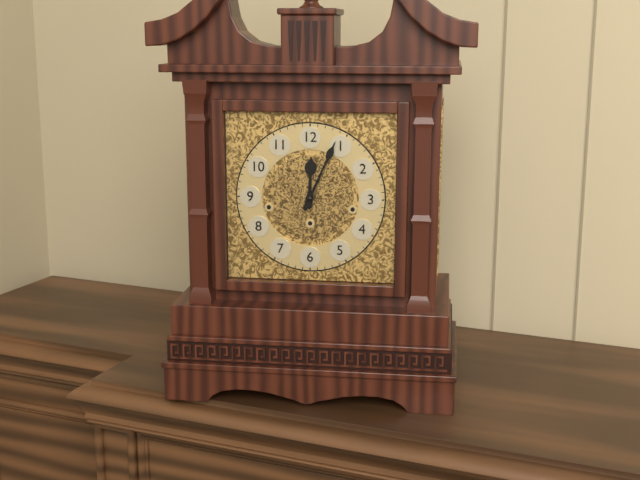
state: 12:04
